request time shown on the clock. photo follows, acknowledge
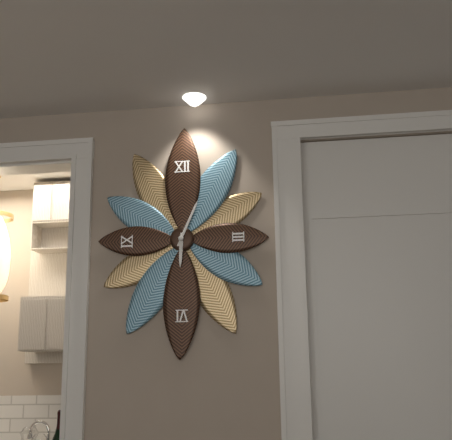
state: 6:04
